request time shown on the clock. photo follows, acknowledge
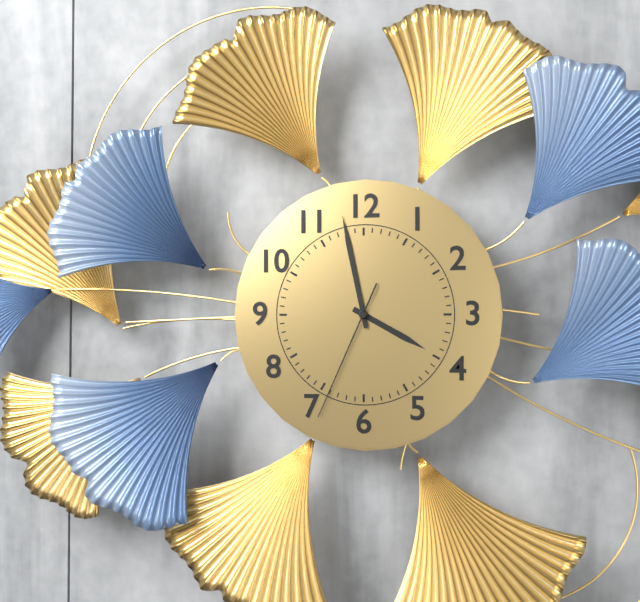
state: 3:58:34
